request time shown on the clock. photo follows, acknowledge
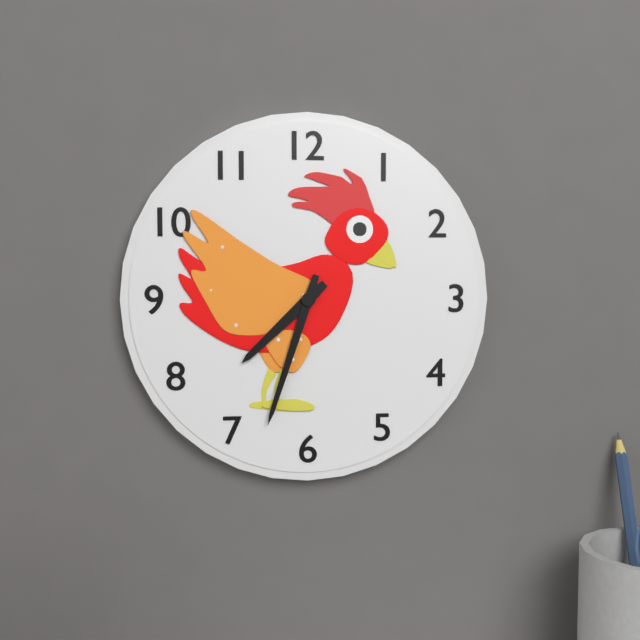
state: 7:33
